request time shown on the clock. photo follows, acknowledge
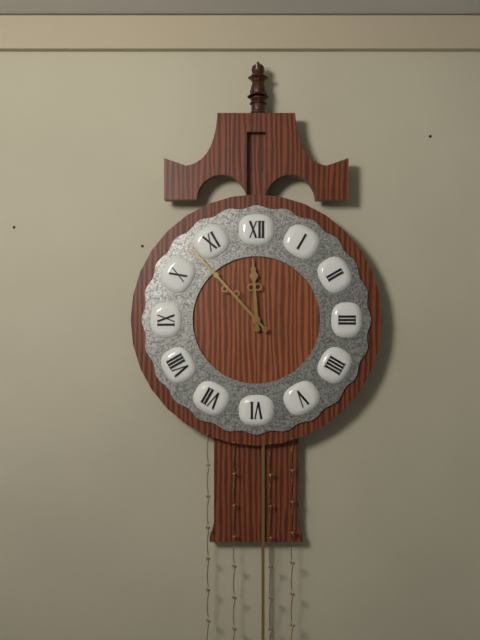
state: 11:53
